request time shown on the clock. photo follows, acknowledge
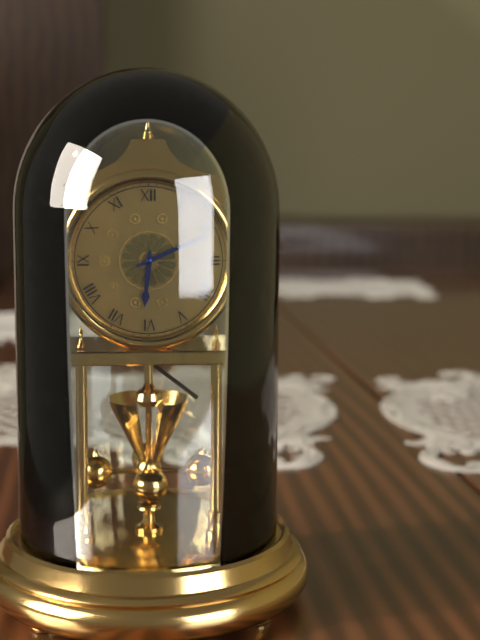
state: 6:11
